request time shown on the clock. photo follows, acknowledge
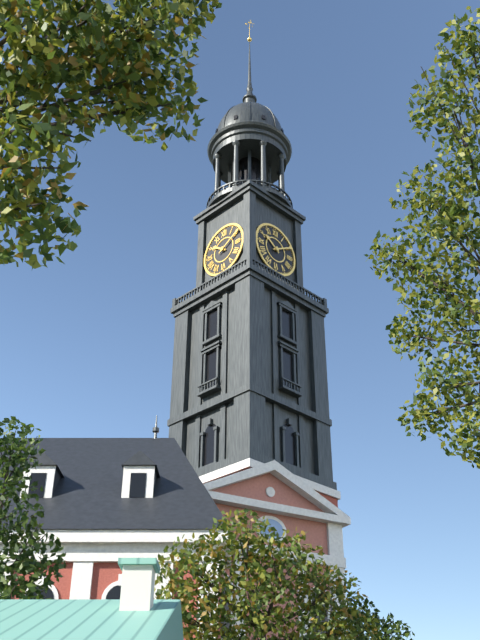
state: 10:10
